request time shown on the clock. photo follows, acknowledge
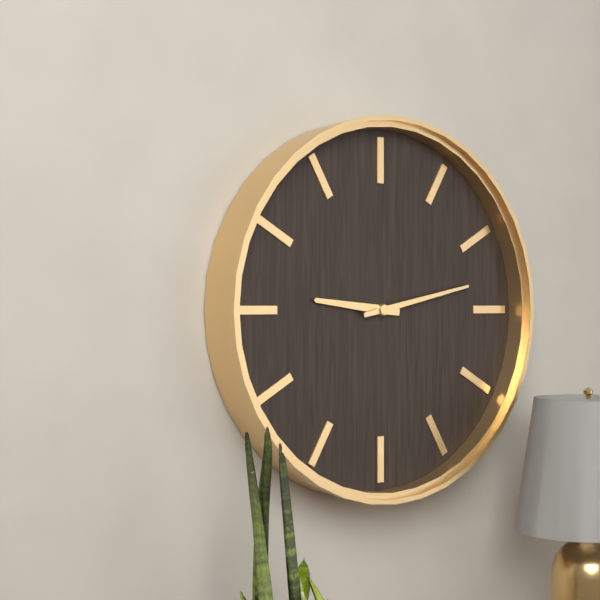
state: 9:13
